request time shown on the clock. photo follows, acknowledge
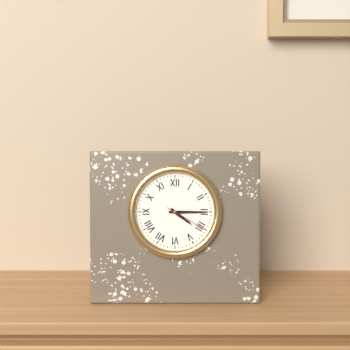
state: 4:15
